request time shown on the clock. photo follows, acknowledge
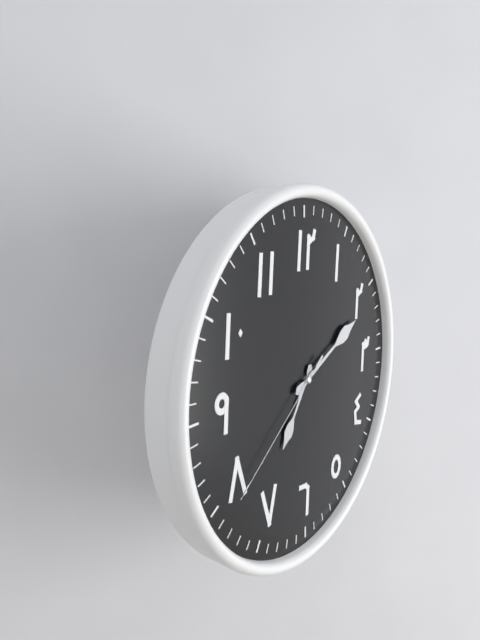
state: 7:11:39
